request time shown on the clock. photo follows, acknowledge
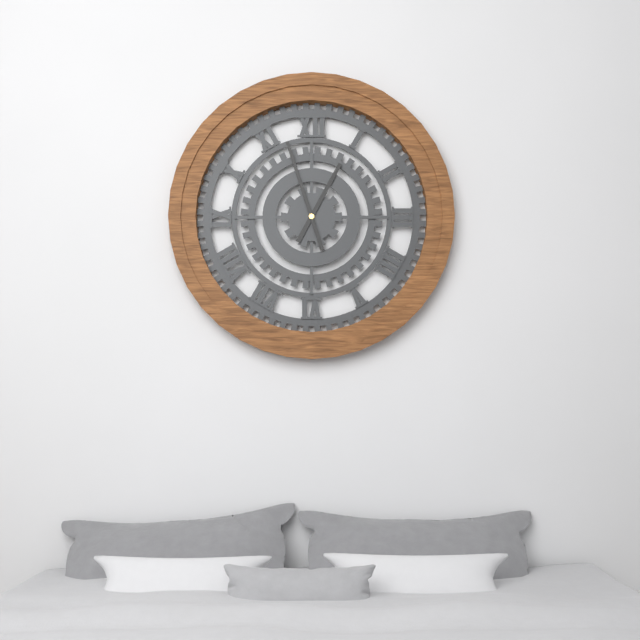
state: 12:57
